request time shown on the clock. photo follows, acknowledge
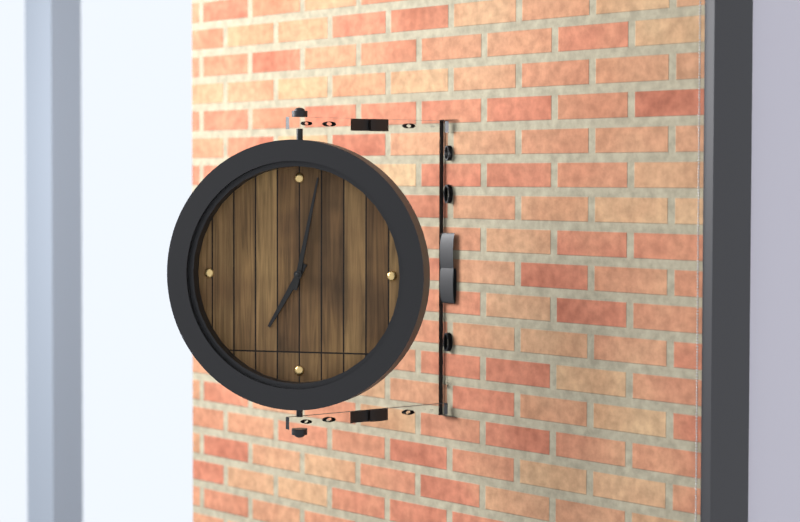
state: 7:02
